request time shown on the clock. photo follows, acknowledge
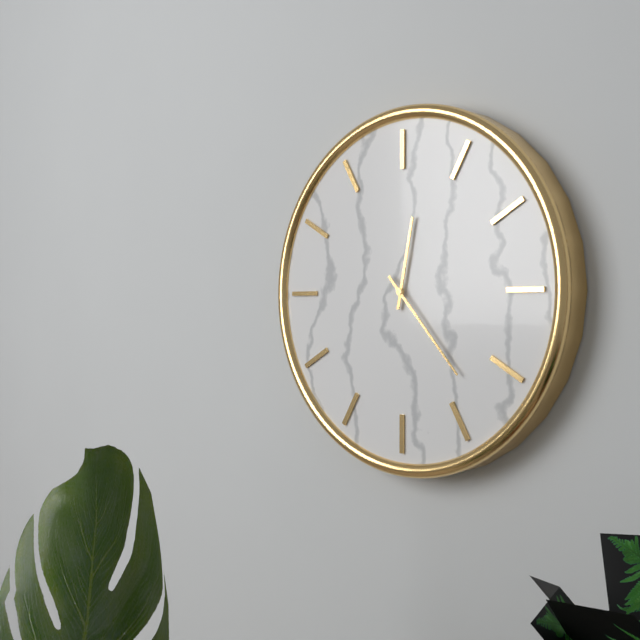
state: 12:23
